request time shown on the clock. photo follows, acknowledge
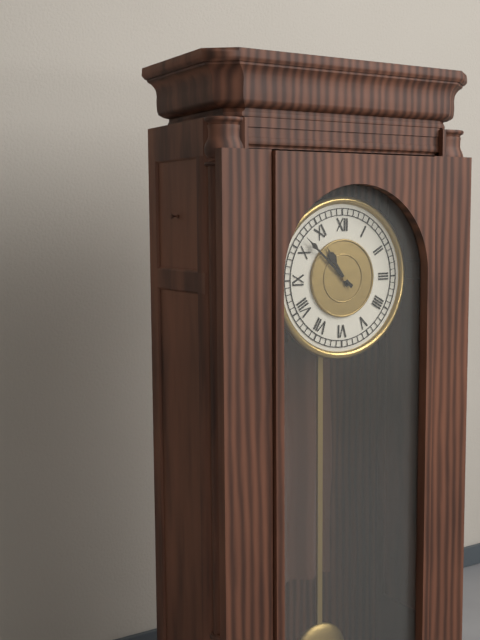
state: 10:52
